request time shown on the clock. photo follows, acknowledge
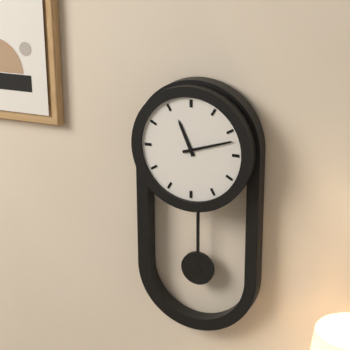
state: 11:12
